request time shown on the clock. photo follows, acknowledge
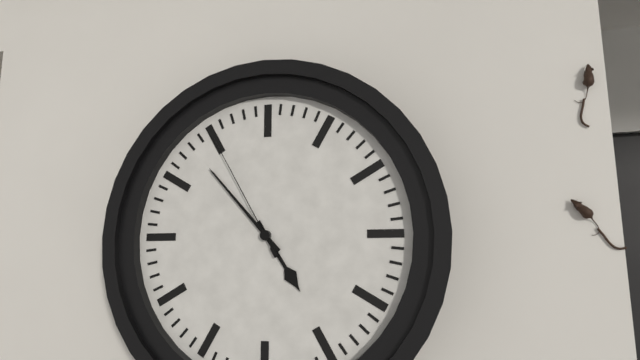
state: 4:53:55
